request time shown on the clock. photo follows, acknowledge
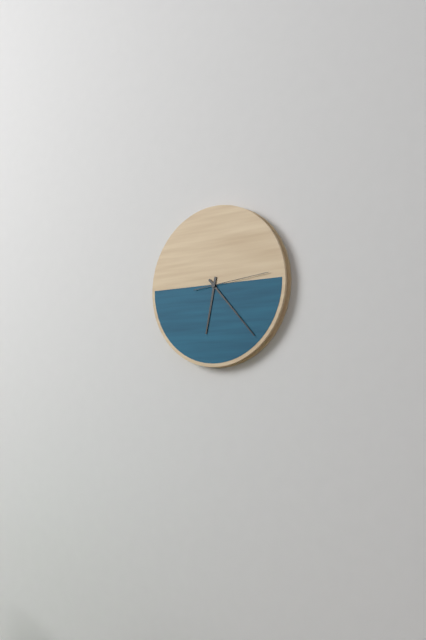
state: 6:23:14
